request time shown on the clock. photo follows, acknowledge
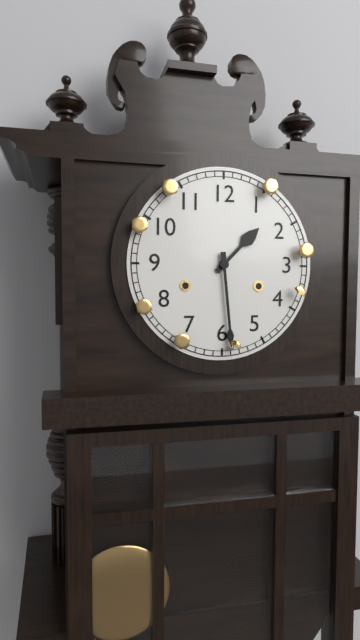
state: 1:29
